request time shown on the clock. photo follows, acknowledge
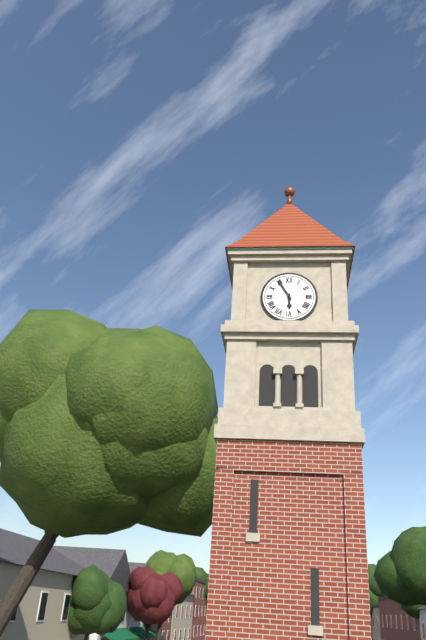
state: 5:55
